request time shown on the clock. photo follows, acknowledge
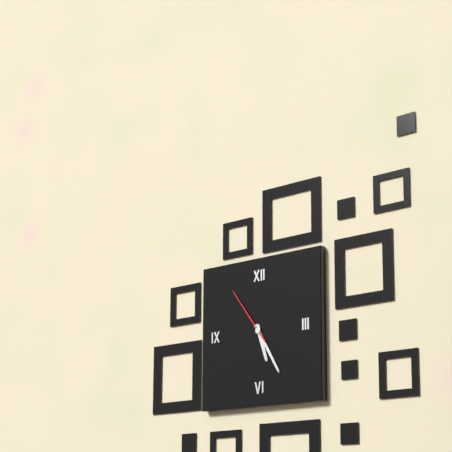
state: 5:25:54
